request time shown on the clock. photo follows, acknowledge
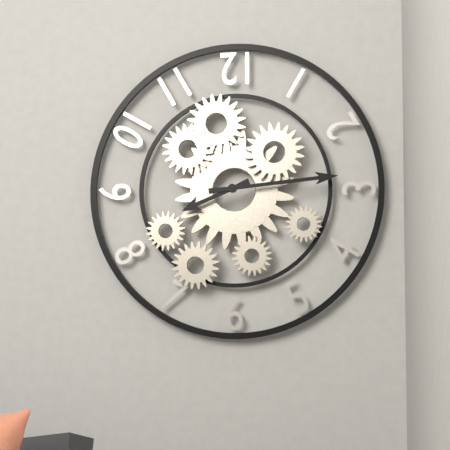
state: 8:14
